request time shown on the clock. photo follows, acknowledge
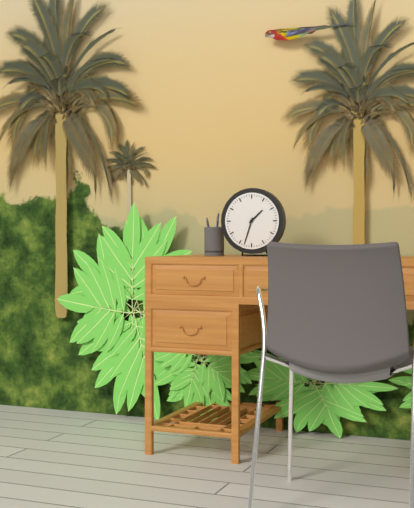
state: 1:33
